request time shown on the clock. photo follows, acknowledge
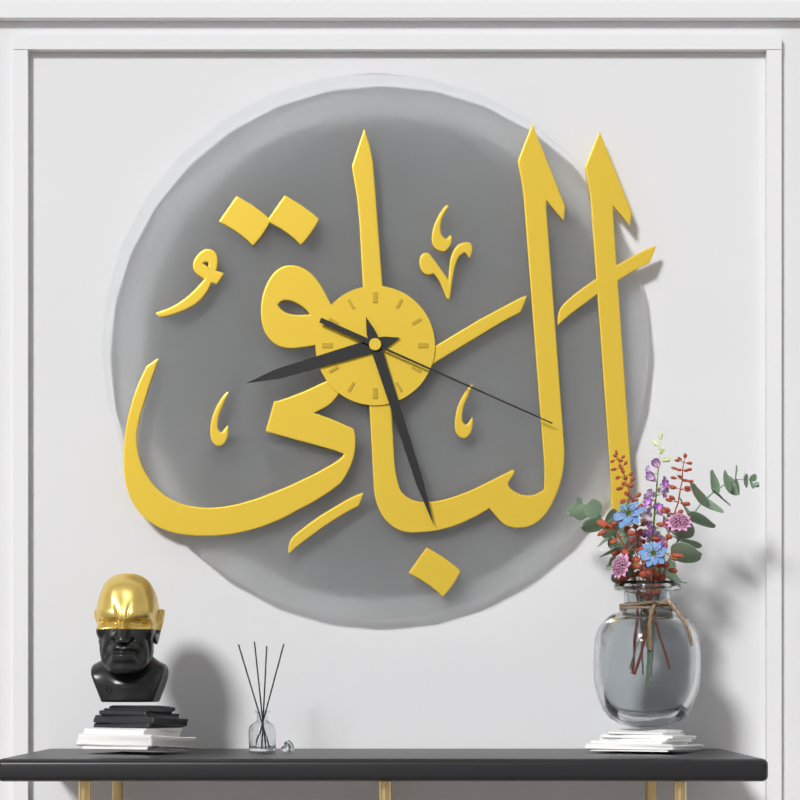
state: 8:27:19
